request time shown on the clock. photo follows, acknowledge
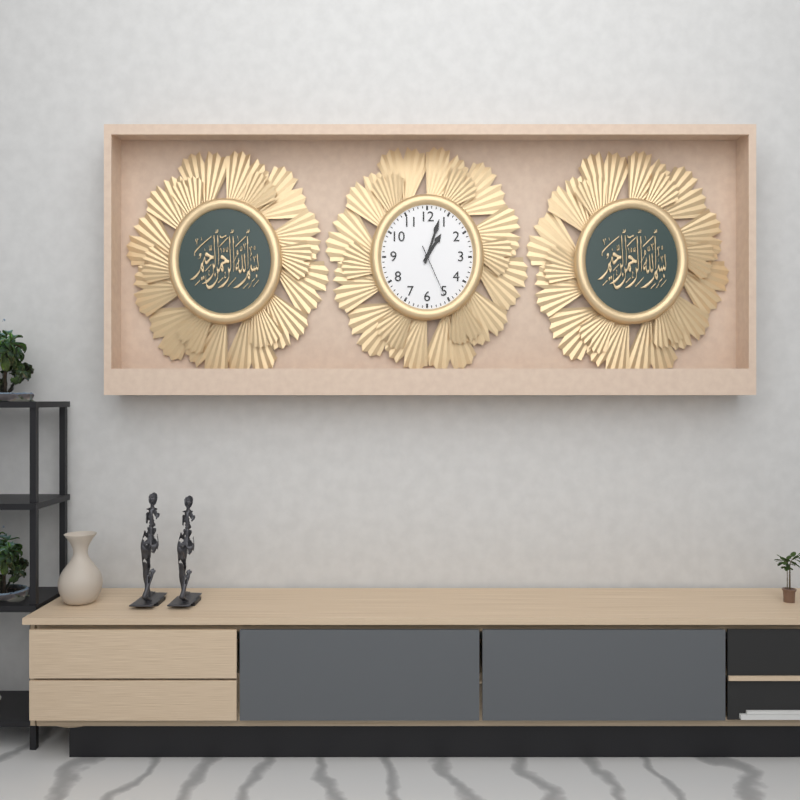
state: 1:03:26
